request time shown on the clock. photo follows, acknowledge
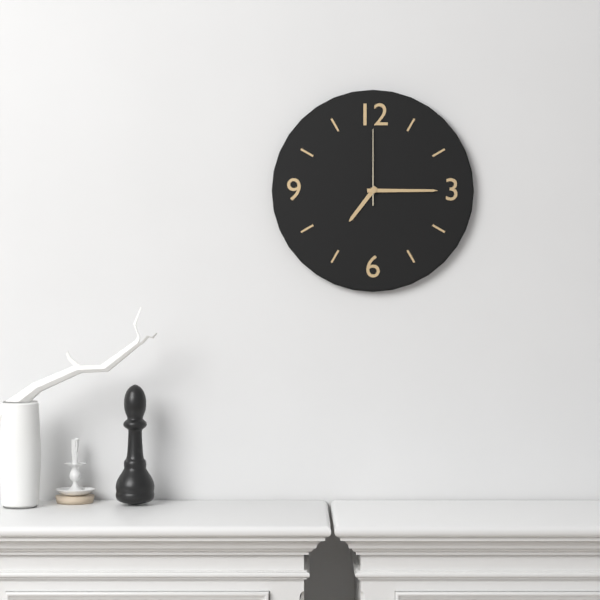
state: 7:15:00
